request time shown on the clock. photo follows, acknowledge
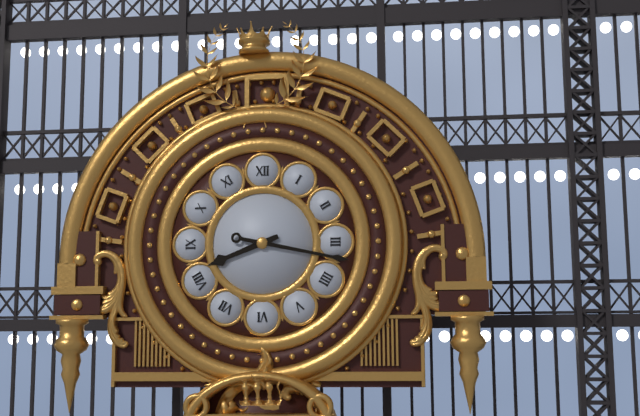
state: 8:17
